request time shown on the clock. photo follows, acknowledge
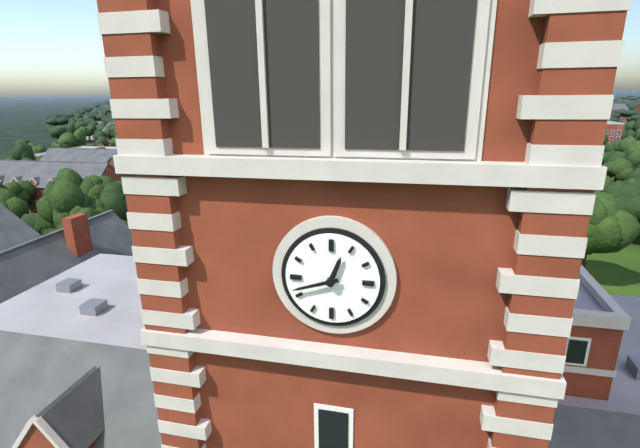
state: 12:42
